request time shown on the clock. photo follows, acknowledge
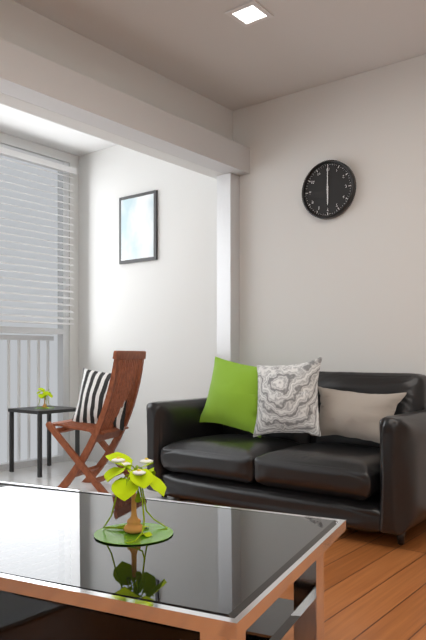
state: 6:00
